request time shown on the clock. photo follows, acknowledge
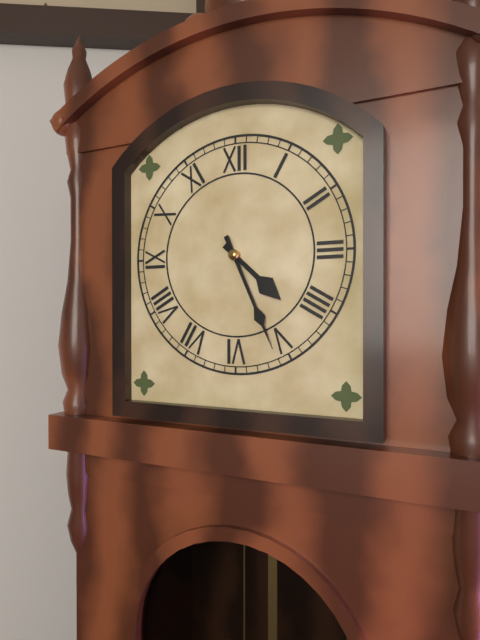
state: 4:26
